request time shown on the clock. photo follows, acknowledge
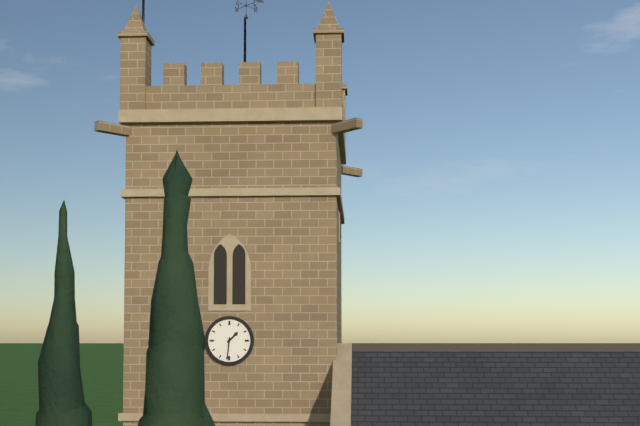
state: 1:31
